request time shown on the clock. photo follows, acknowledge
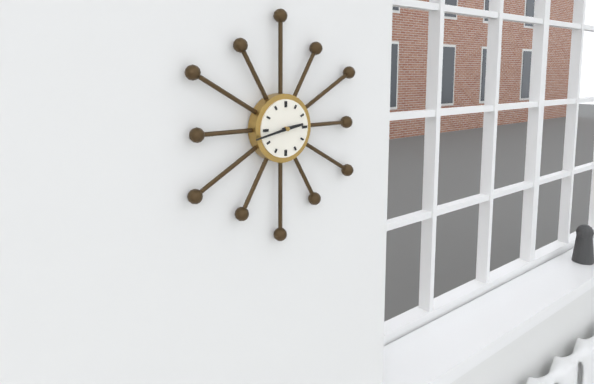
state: 2:43
